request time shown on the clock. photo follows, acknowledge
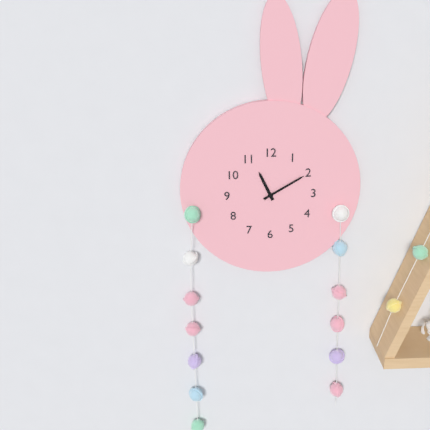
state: 11:10
